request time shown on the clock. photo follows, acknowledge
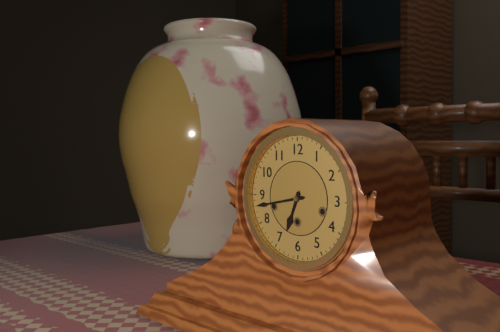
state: 6:43
